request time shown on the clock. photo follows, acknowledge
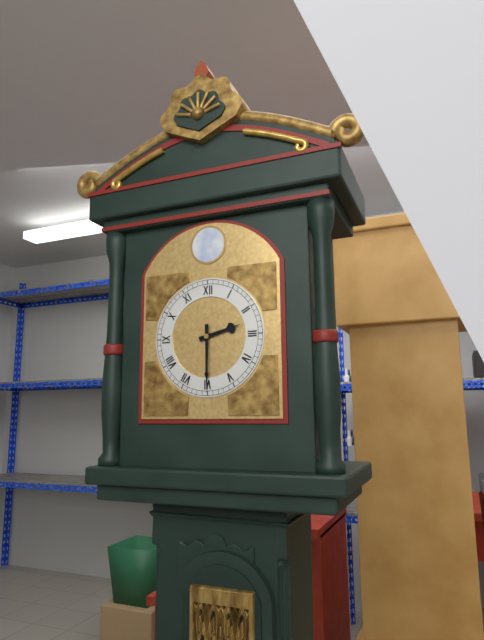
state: 2:30
